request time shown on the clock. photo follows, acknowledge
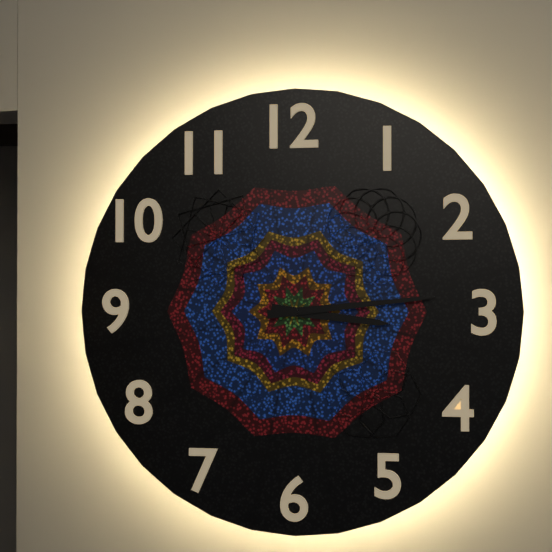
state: 3:14
